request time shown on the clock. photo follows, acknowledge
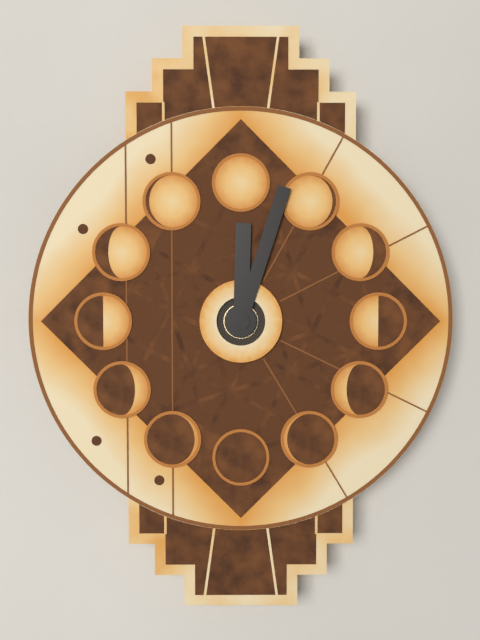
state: 12:03
